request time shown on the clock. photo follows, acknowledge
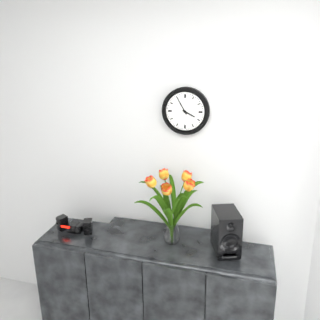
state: 3:55
